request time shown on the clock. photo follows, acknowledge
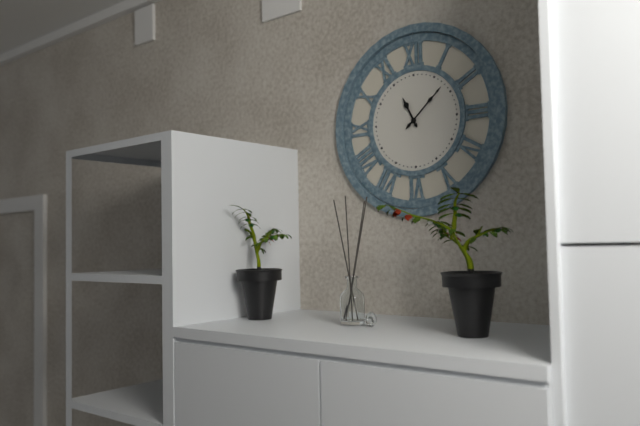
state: 11:08
